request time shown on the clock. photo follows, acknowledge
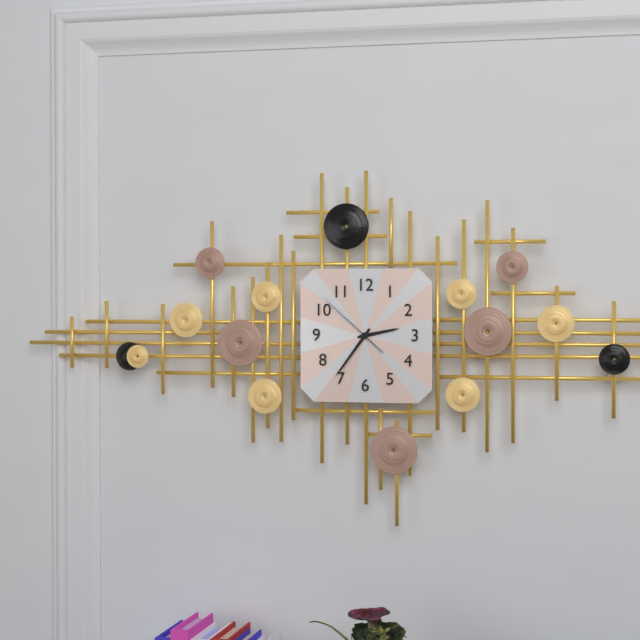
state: 2:36:52
